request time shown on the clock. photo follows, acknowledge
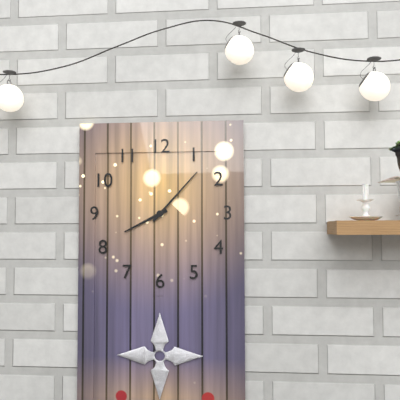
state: 8:07
